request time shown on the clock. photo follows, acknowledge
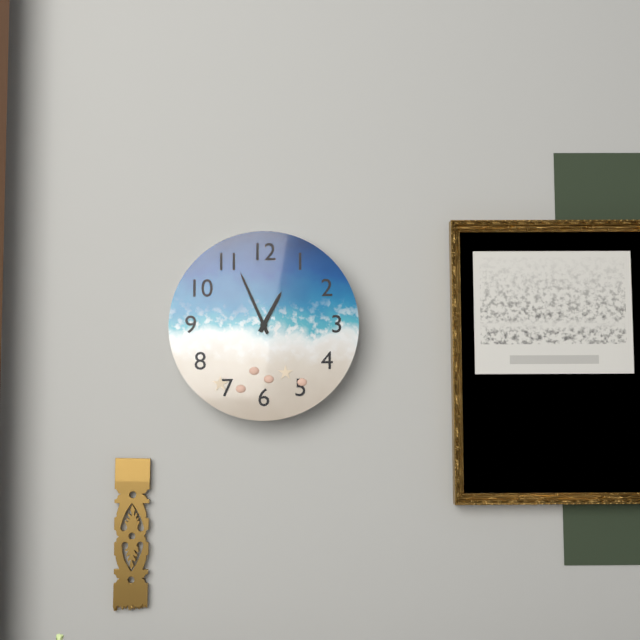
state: 12:56
